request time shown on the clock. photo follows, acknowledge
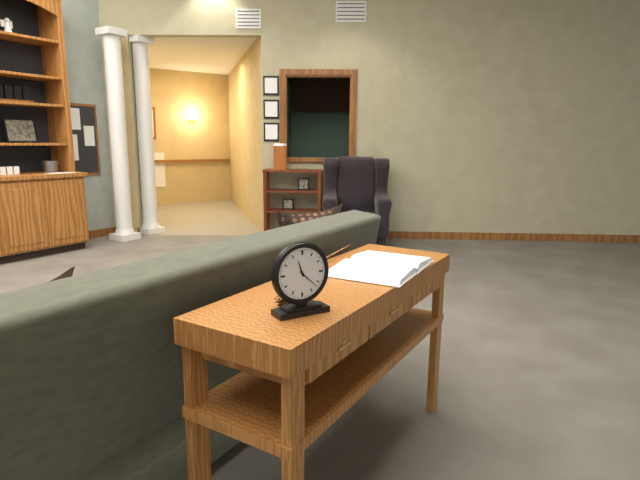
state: 11:22
